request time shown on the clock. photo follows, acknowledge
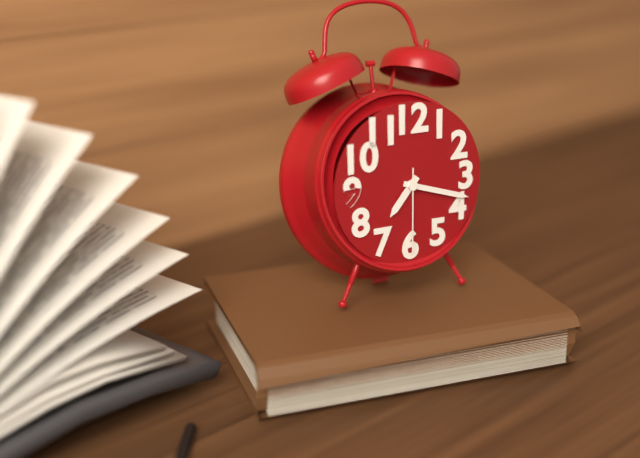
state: 7:18:30
